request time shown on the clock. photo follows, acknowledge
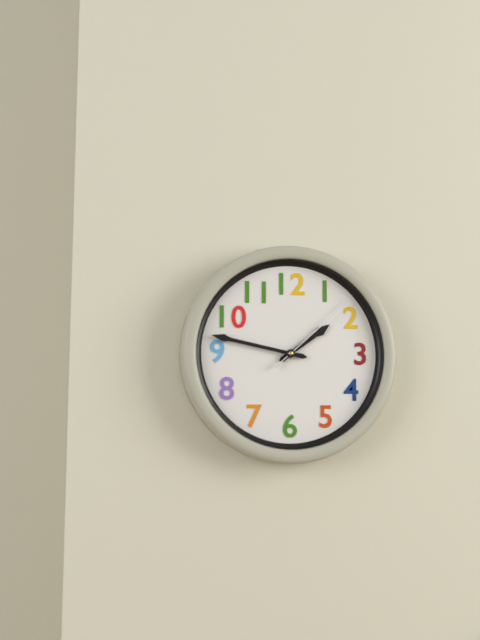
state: 1:47:08
